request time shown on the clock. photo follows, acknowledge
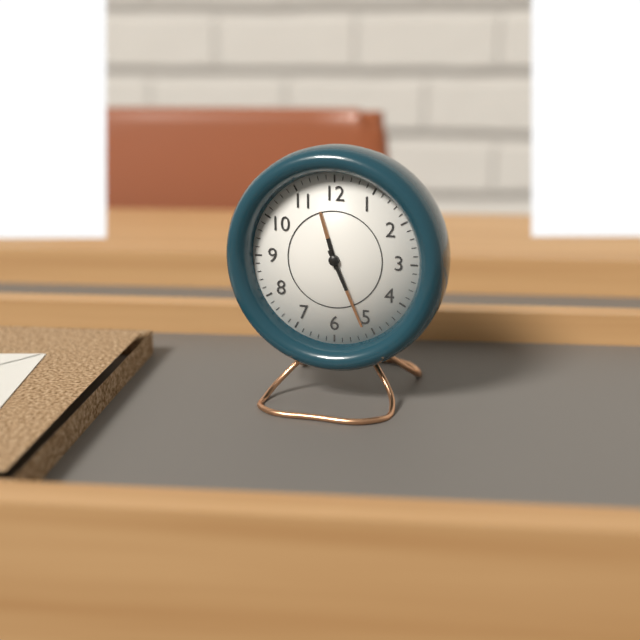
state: 11:26
